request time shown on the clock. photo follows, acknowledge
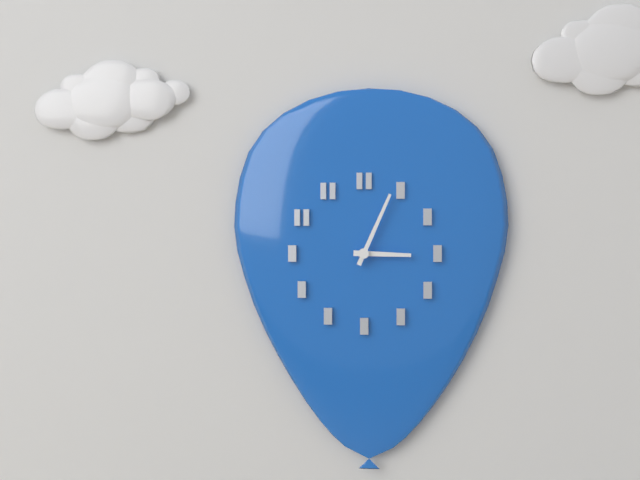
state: 3:04
